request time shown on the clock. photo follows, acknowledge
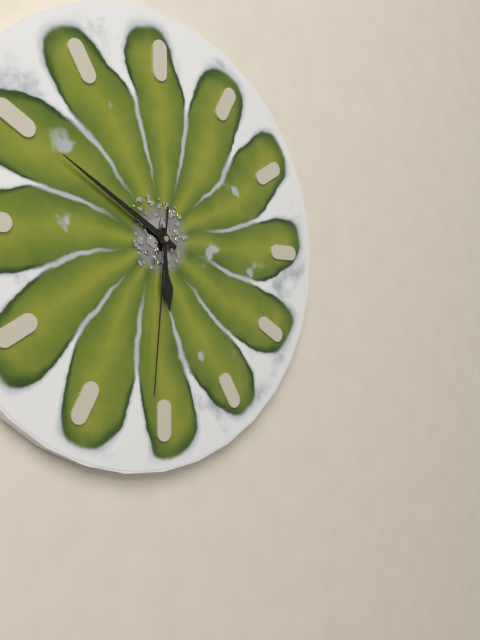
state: 5:50:31
